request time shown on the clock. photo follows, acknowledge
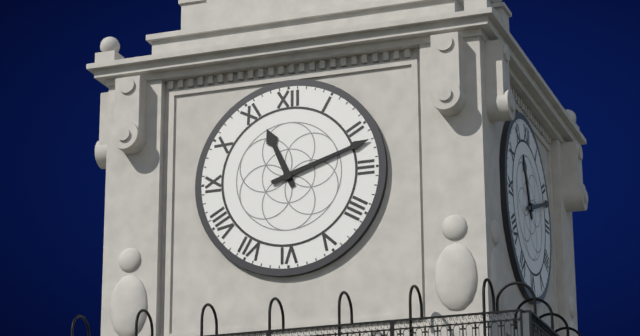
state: 11:12
